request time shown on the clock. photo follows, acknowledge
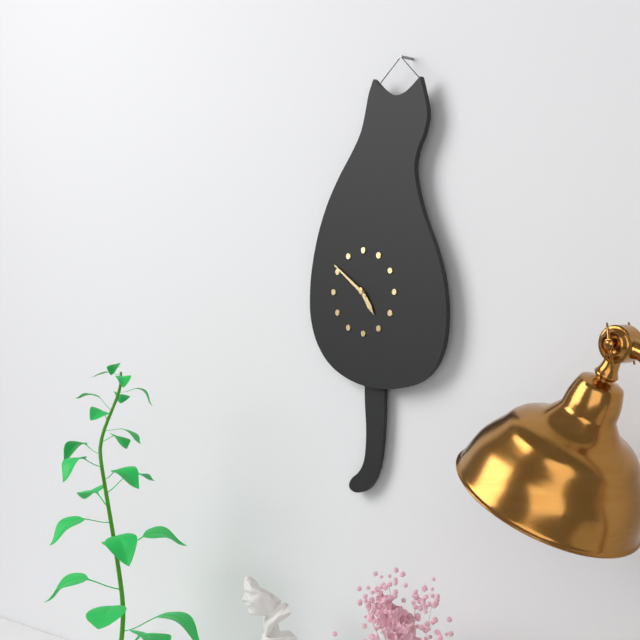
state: 4:51
